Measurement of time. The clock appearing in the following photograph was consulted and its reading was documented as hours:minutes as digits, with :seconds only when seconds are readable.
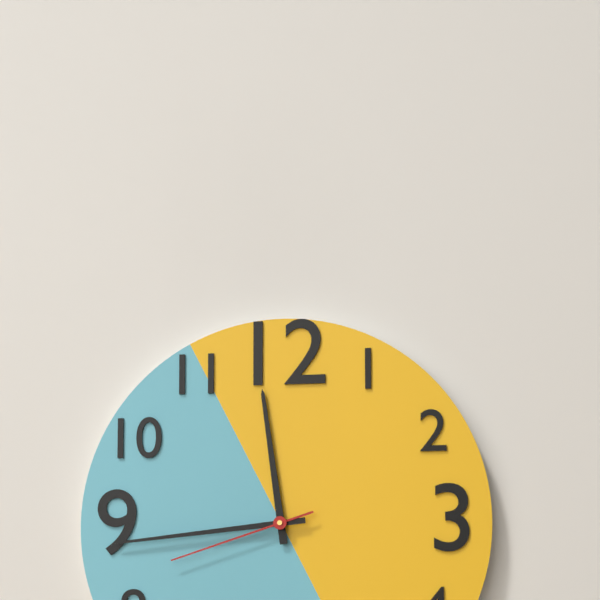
11:44:42
